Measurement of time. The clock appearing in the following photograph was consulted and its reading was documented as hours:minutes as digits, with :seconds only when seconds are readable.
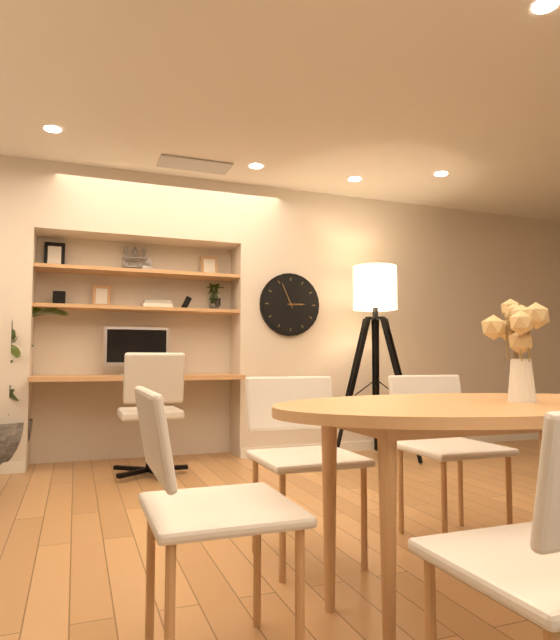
2:56
